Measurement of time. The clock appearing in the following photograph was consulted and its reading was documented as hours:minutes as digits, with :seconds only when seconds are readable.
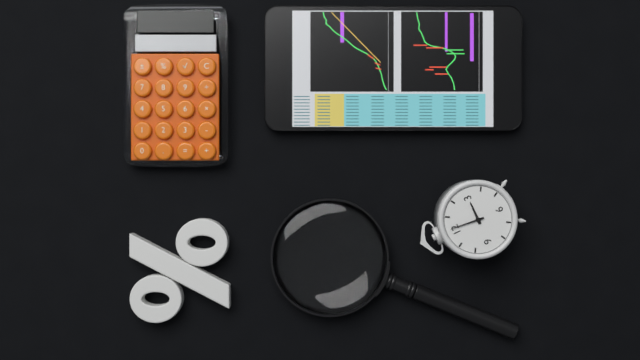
3:01
